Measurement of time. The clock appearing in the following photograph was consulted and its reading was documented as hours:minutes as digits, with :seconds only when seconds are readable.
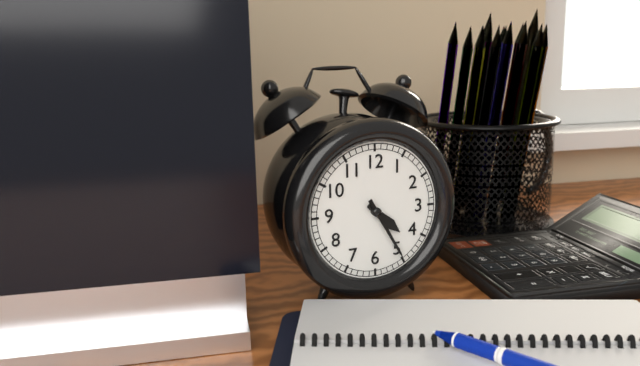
4:25
